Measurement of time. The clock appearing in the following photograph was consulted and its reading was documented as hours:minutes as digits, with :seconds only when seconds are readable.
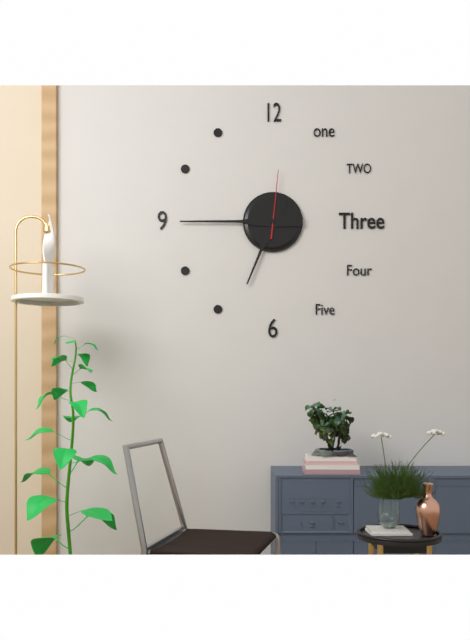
6:45:01
